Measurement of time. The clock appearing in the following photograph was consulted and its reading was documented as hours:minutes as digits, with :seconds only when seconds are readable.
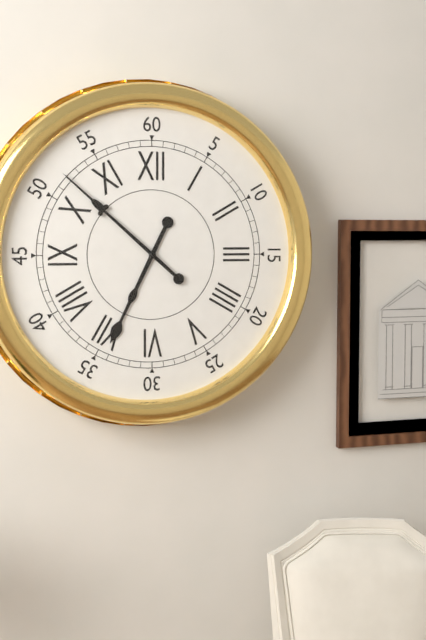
6:52
